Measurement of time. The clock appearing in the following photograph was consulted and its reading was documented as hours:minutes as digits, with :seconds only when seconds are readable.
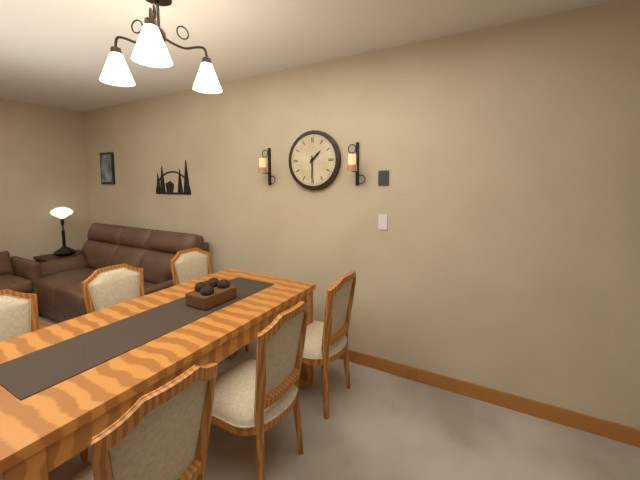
1:30
